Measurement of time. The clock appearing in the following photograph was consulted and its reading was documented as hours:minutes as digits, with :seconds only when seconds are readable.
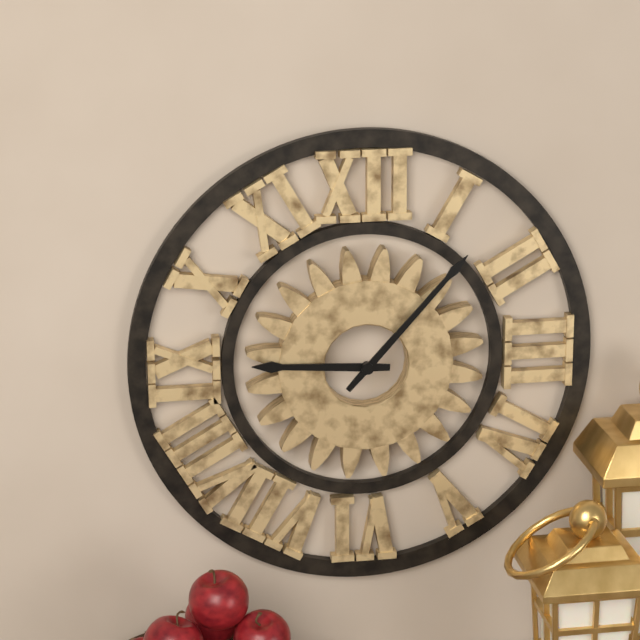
9:07
